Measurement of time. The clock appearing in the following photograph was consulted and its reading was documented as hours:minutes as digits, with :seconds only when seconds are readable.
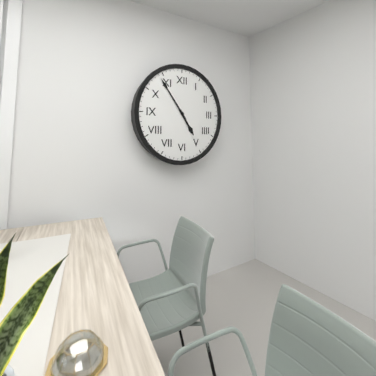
4:54
